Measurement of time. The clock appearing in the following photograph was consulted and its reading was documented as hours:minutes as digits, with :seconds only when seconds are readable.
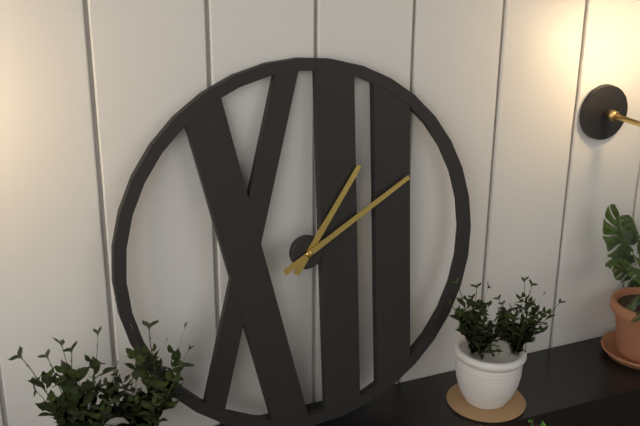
1:10
